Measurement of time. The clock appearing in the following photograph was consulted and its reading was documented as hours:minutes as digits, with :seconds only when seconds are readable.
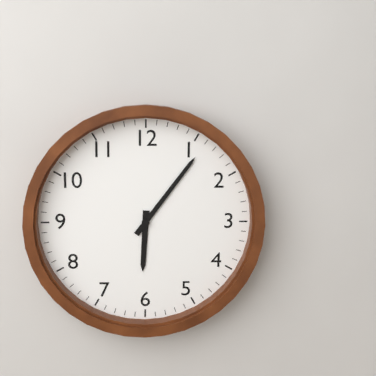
6:06
